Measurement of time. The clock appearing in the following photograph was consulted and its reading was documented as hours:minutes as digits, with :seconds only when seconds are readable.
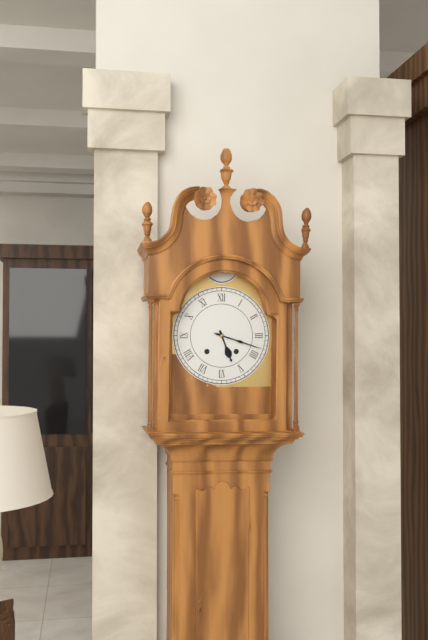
5:18
